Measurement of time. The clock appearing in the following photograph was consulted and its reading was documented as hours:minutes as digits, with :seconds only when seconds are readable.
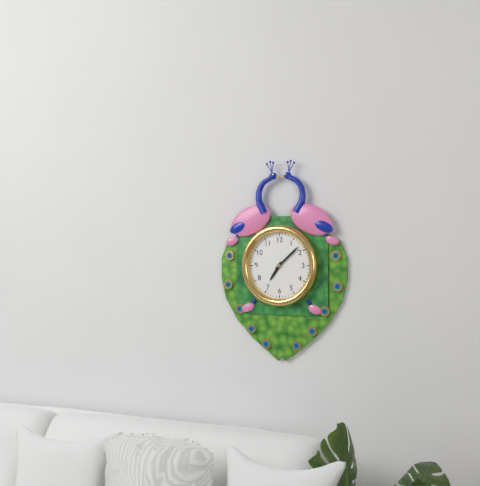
7:08
